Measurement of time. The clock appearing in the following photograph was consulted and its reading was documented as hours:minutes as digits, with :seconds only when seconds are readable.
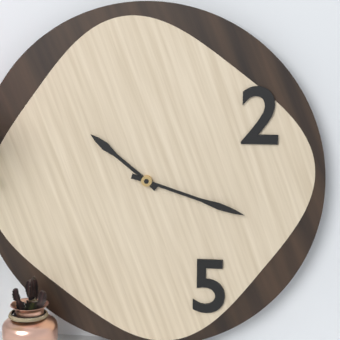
10:18
